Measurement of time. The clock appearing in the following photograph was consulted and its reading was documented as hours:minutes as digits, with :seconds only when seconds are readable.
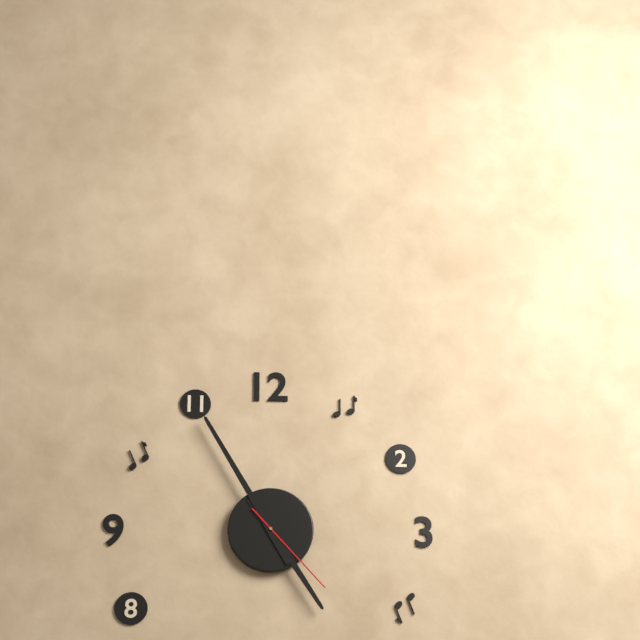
4:55:23
